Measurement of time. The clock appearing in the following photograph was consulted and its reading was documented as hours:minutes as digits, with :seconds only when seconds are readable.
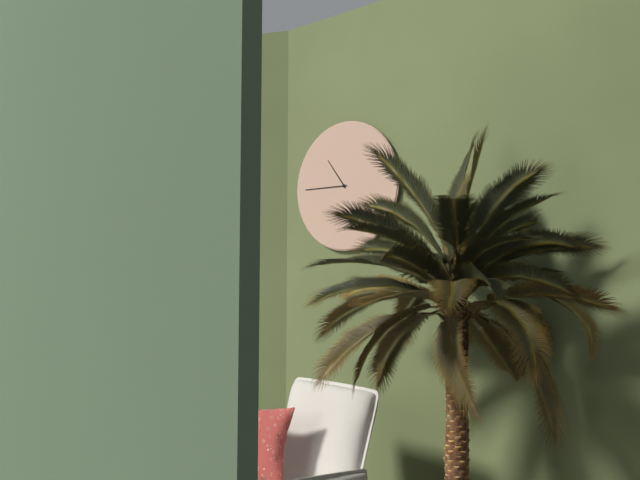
10:45
